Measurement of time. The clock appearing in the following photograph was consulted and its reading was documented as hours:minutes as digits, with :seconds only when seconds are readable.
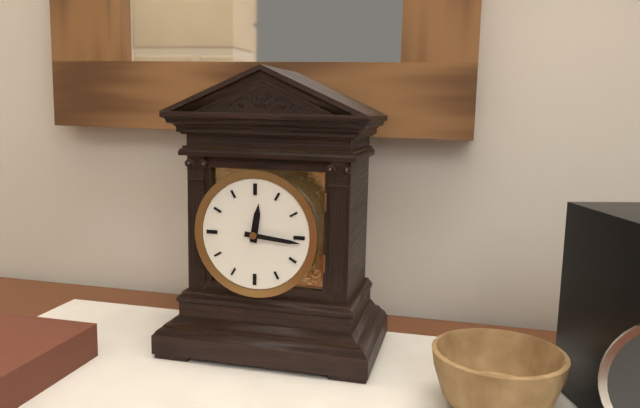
12:16
